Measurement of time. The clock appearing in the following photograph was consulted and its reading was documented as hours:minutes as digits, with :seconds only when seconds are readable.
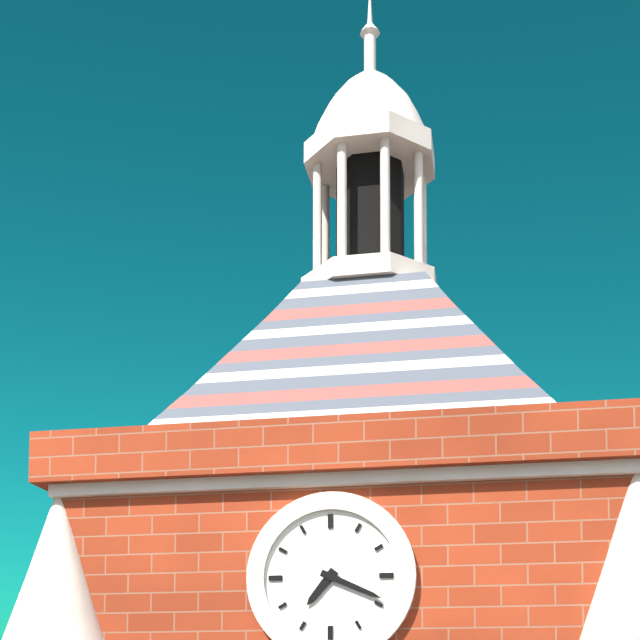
7:19
